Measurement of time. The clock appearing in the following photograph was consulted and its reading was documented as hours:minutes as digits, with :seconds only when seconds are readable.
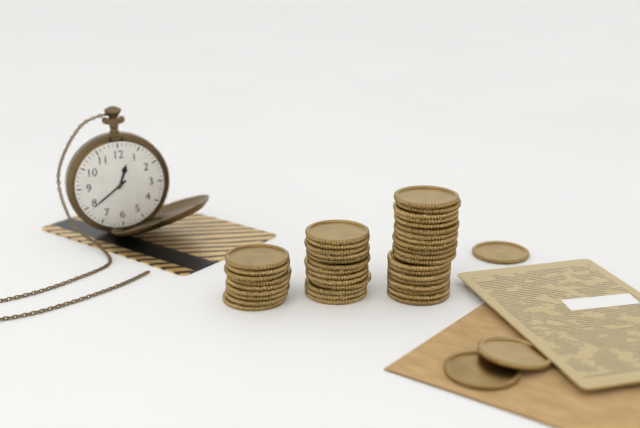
12:39
